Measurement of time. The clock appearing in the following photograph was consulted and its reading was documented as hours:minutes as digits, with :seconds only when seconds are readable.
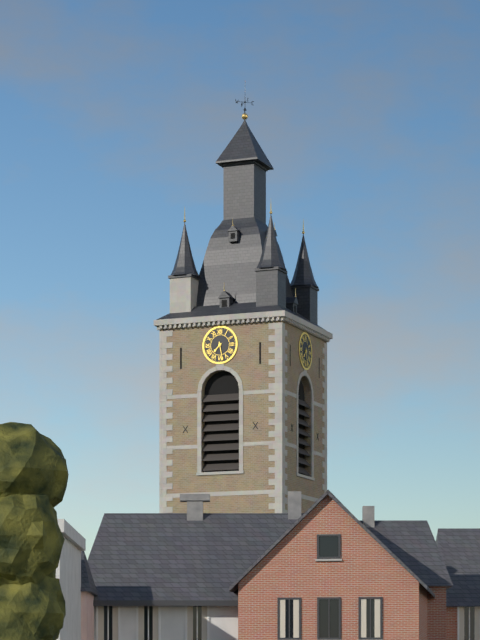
7:28
